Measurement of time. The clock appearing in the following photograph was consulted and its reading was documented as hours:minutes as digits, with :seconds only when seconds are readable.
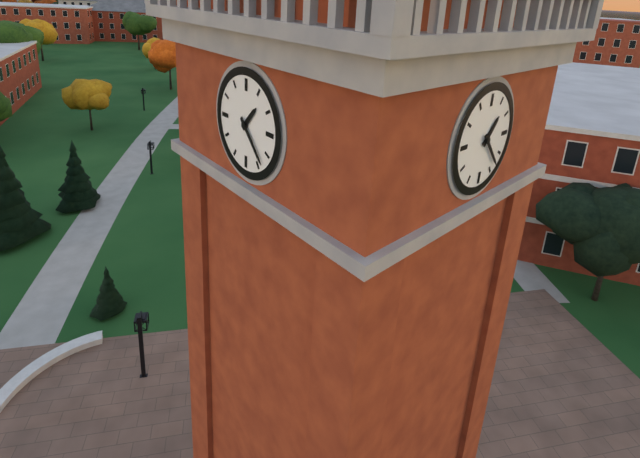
1:23
